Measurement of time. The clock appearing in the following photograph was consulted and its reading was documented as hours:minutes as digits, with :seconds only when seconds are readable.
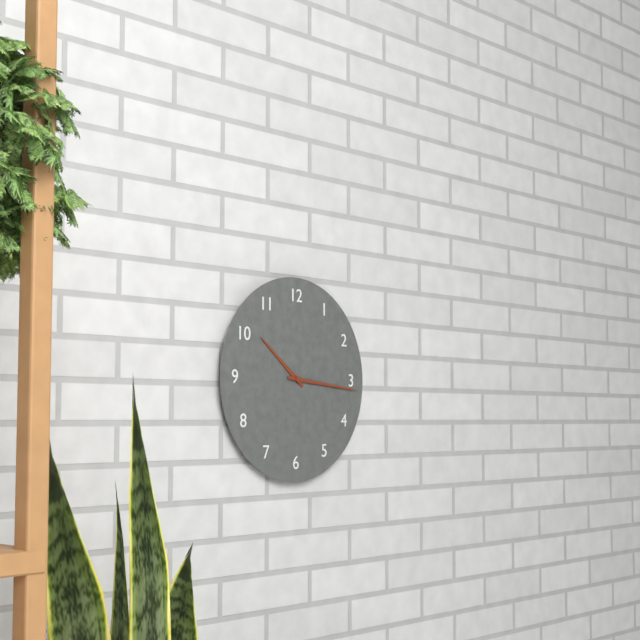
10:16
